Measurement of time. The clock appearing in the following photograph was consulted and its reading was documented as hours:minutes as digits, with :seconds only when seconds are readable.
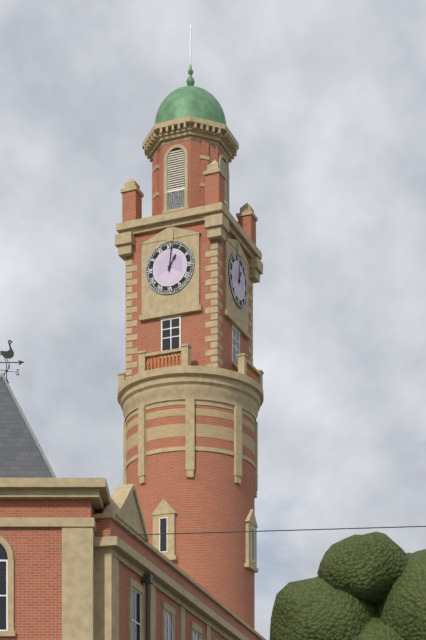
1:01
